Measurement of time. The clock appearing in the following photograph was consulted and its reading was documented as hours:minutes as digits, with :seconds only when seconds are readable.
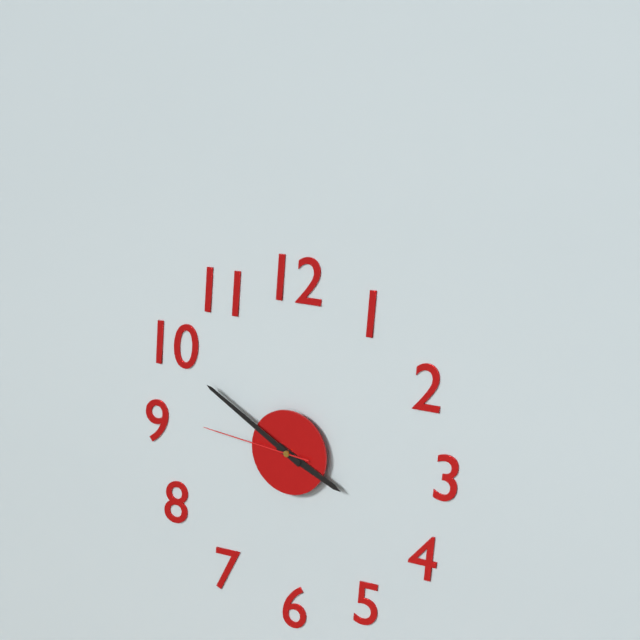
3:50:46
